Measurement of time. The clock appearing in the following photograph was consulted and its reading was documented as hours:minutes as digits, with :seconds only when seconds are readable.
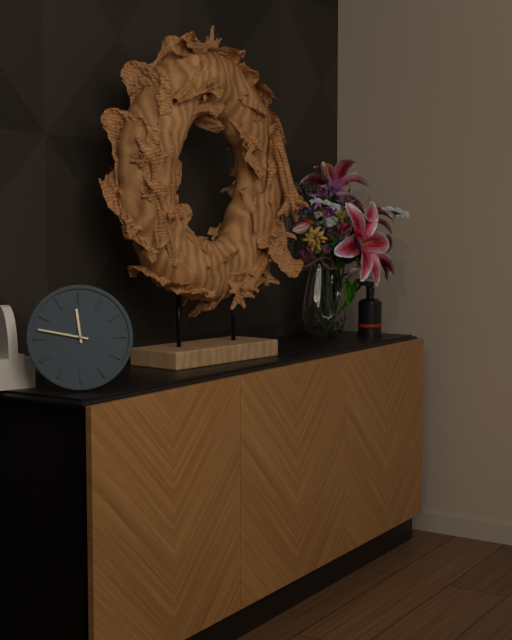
11:47
